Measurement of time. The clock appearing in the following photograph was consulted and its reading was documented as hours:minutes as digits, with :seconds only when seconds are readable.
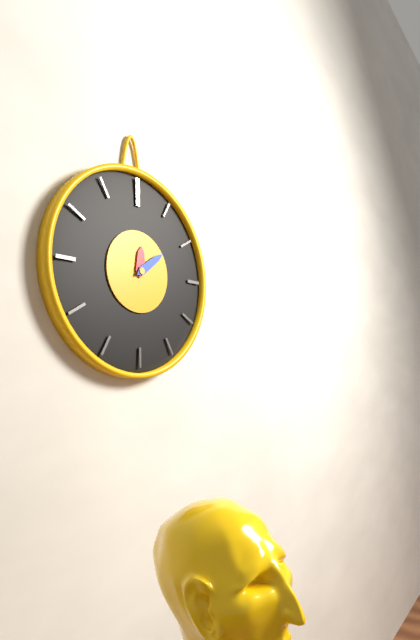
12:09
